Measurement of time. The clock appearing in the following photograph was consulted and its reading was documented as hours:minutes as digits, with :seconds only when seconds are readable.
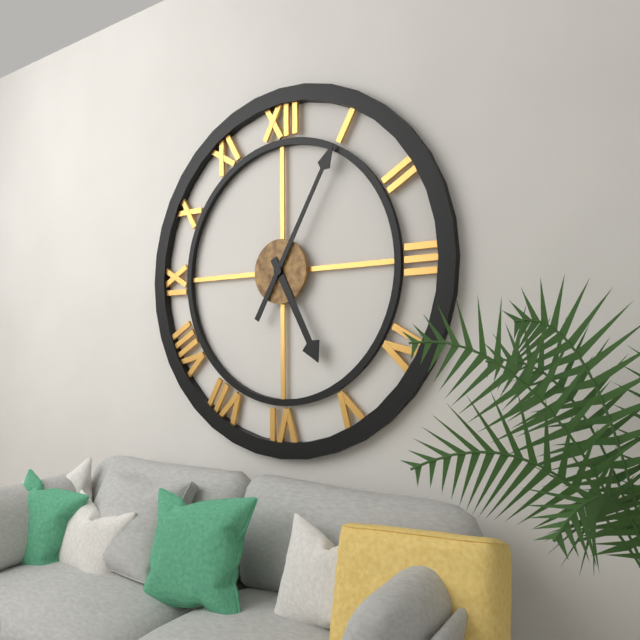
5:05
